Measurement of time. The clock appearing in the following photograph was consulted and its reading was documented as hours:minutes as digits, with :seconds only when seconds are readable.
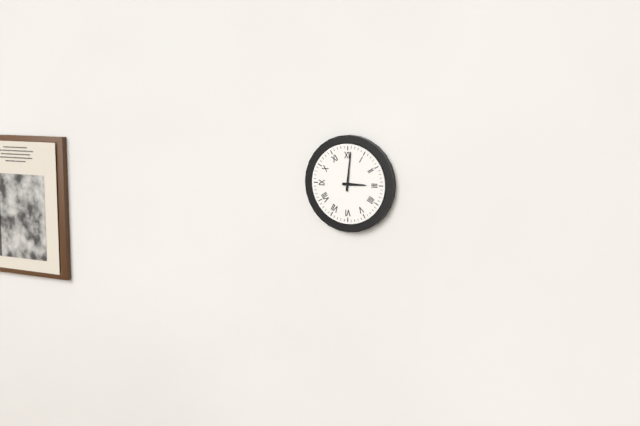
3:01
